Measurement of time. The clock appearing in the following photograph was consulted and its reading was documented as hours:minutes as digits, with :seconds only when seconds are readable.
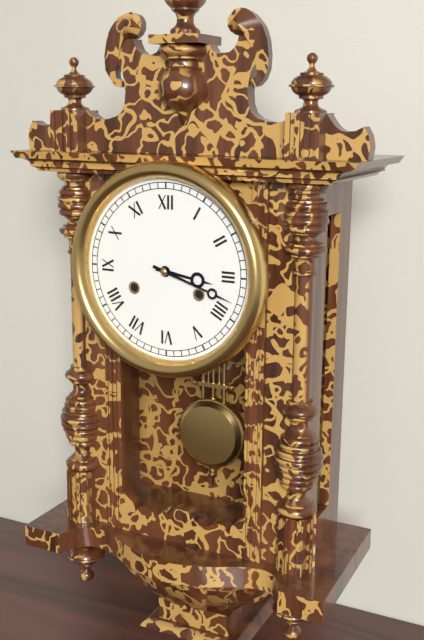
3:18
